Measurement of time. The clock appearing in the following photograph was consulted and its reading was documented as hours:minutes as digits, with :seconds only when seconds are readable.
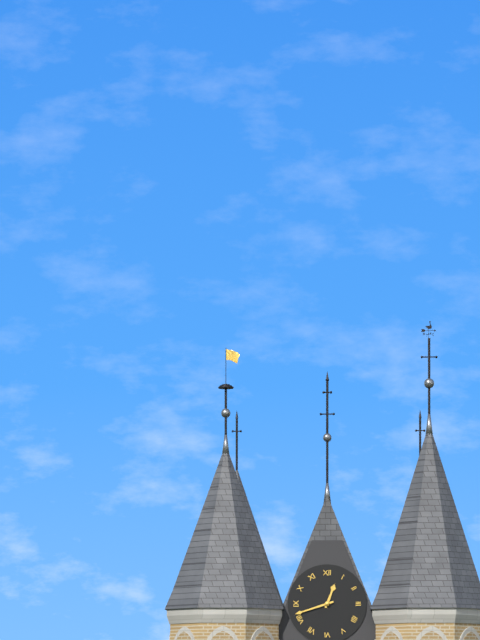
12:42
